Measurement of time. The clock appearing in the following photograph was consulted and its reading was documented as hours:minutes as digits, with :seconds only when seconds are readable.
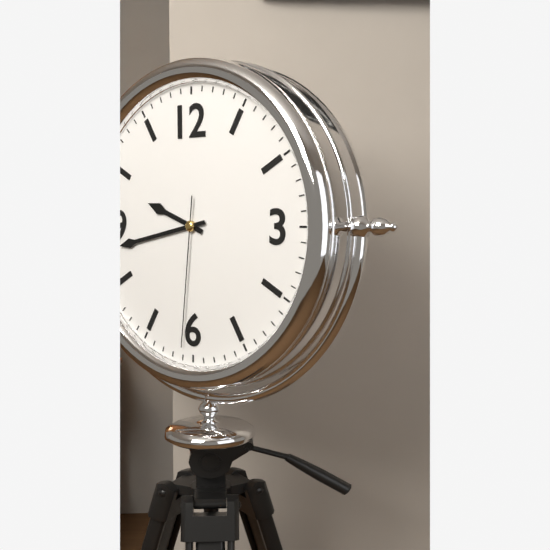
9:43:31
